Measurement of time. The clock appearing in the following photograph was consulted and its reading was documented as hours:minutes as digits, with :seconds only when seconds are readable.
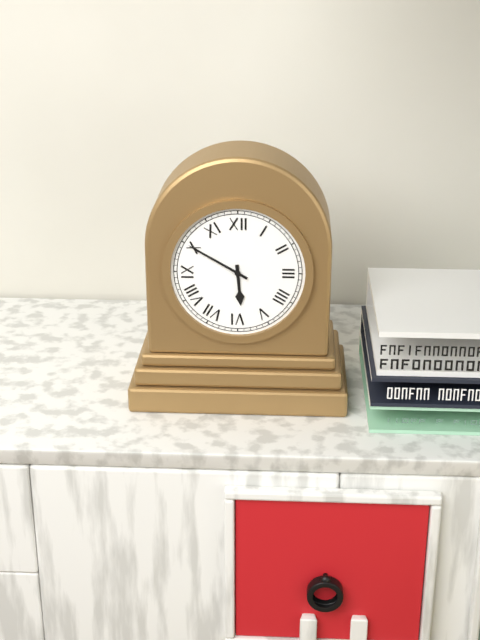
5:50
